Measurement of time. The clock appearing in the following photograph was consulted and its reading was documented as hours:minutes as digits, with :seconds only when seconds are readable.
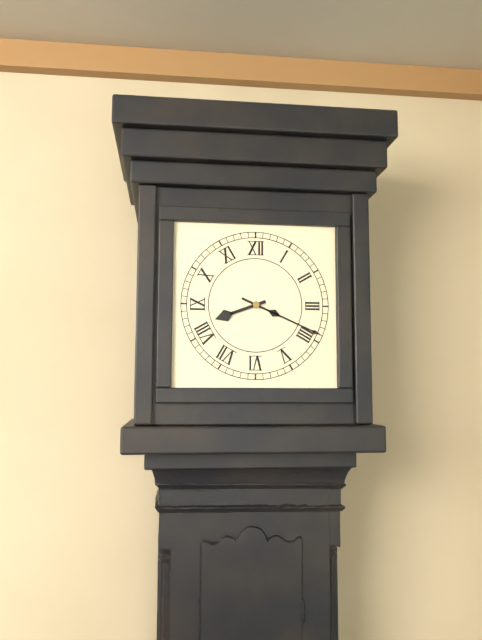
8:19
